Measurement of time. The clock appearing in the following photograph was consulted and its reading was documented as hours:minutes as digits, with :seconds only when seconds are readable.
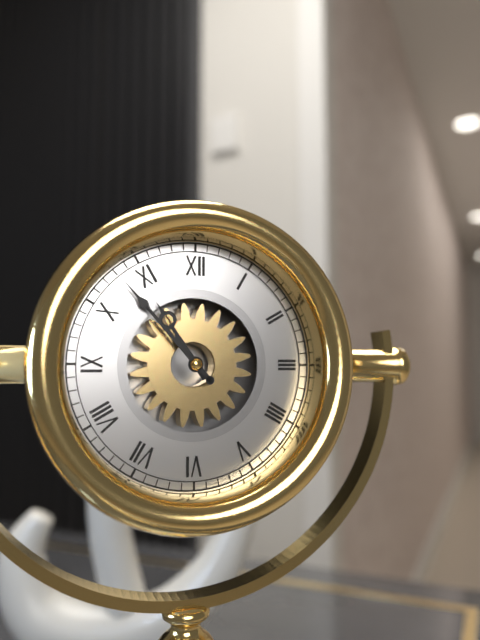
10:53
